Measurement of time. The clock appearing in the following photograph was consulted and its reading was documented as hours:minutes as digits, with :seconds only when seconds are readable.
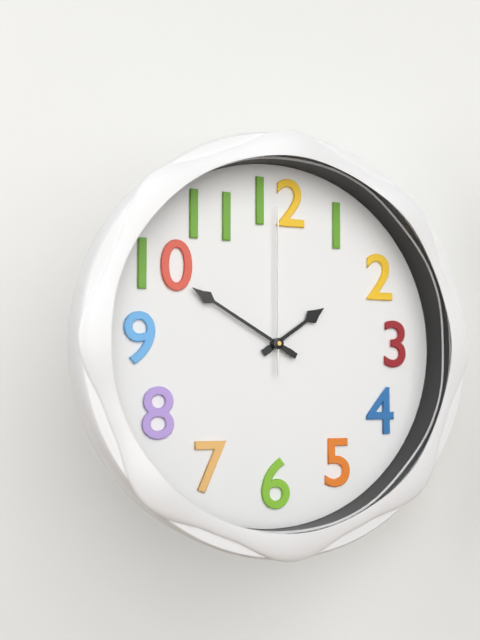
1:50:00
